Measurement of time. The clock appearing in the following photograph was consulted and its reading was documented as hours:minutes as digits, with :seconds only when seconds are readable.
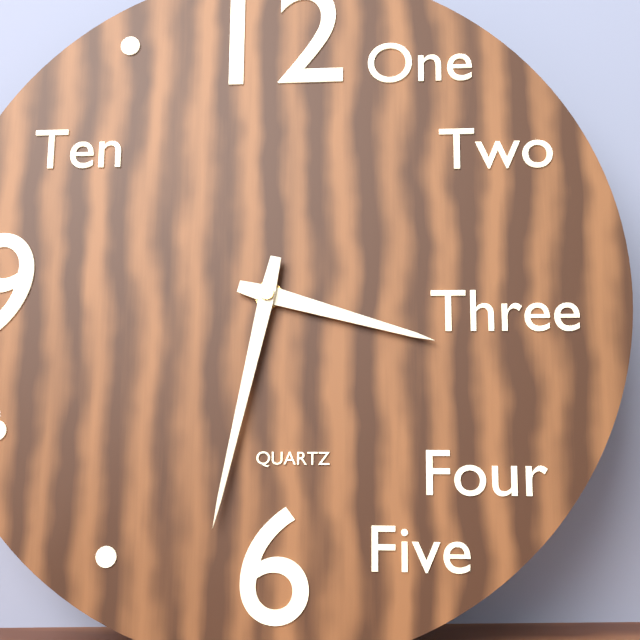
3:32
